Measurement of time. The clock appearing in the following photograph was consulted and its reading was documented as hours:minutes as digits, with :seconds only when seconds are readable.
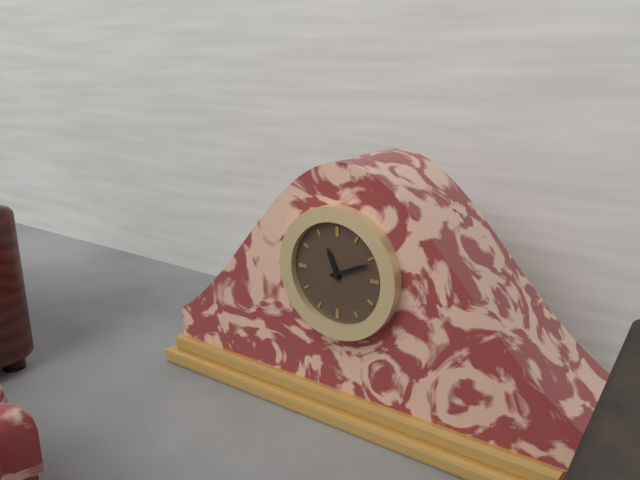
11:11
